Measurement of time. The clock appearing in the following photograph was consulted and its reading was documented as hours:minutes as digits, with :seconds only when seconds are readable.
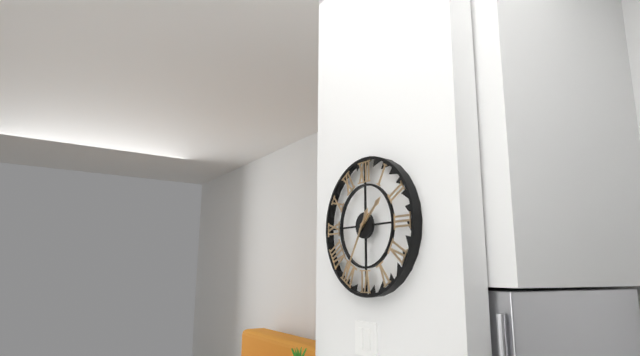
1:35
